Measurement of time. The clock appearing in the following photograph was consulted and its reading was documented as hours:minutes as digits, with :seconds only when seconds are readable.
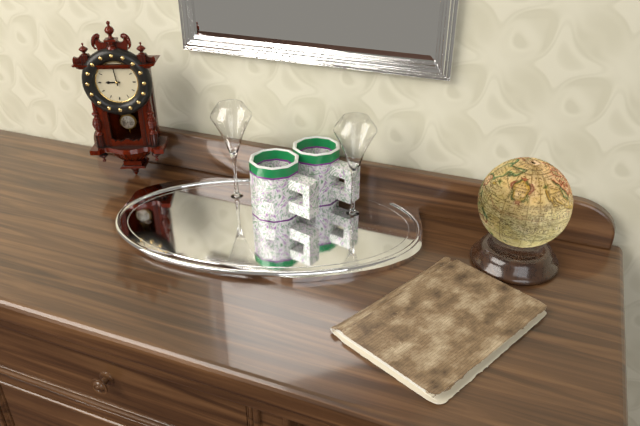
8:59
